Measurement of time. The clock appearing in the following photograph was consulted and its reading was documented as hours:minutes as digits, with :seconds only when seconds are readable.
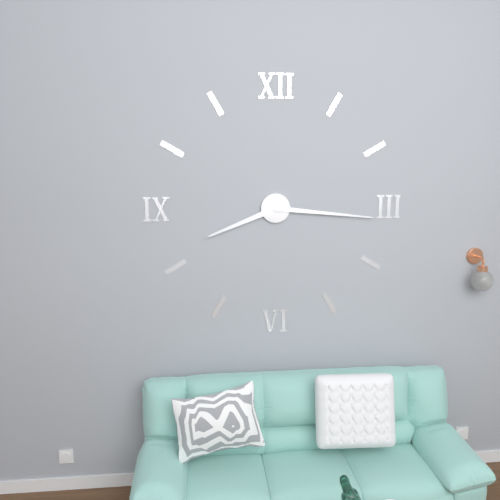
8:16
